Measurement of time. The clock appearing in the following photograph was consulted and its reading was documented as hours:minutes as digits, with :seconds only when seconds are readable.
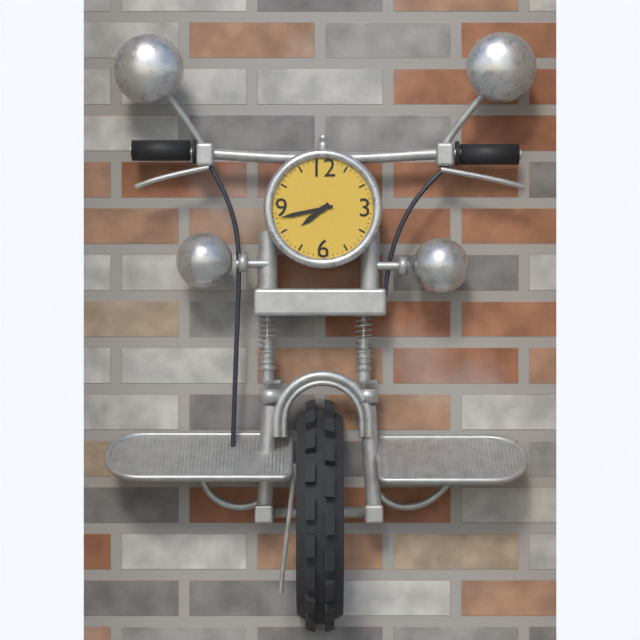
7:43
